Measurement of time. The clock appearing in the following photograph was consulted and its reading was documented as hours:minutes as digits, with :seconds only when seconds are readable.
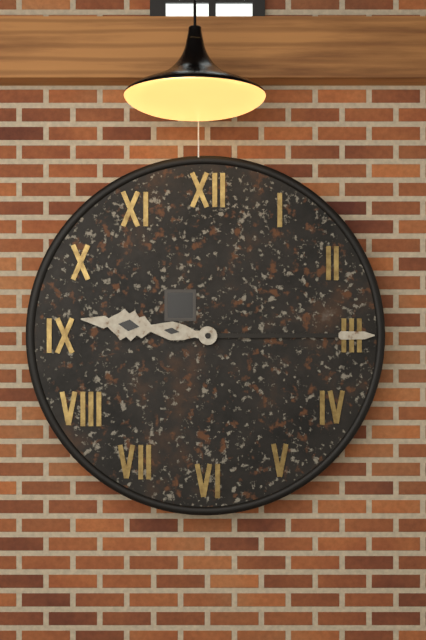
9:15
